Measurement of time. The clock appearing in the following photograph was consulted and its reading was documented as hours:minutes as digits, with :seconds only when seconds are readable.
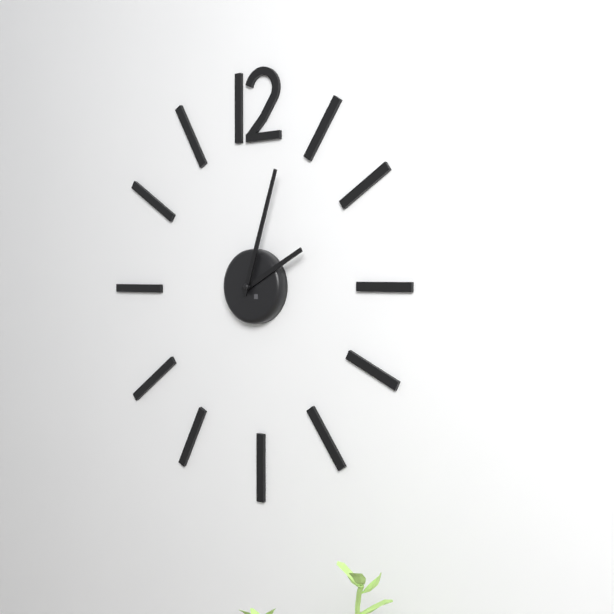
2:03
